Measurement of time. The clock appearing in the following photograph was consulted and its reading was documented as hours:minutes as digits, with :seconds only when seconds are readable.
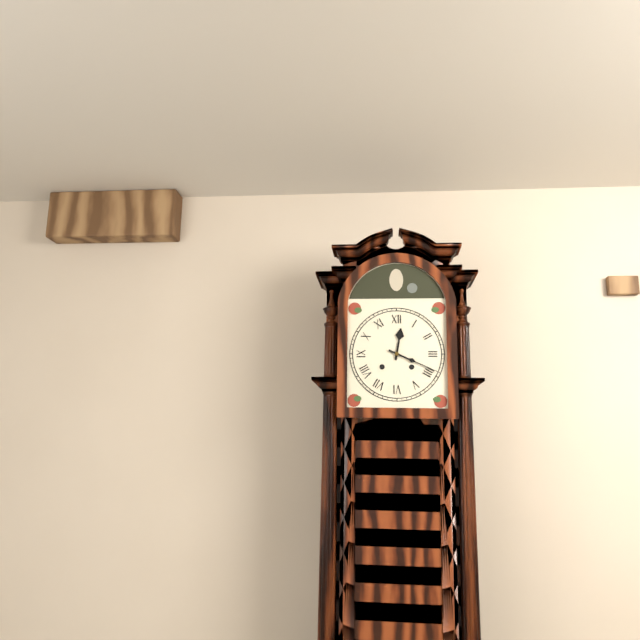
12:19
